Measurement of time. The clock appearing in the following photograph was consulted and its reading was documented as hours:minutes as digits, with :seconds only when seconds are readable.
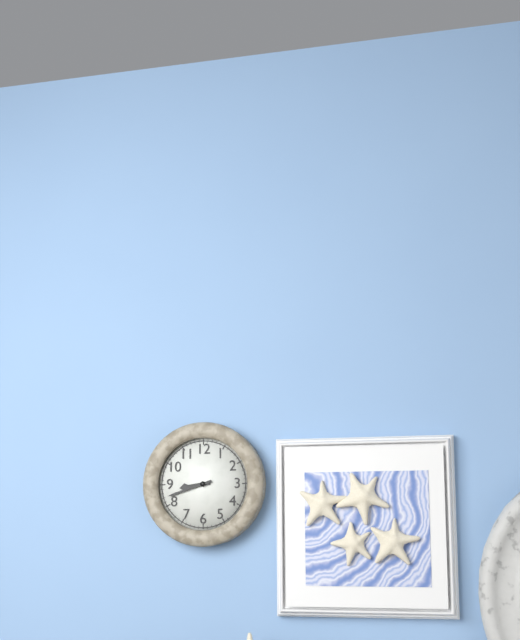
8:42
